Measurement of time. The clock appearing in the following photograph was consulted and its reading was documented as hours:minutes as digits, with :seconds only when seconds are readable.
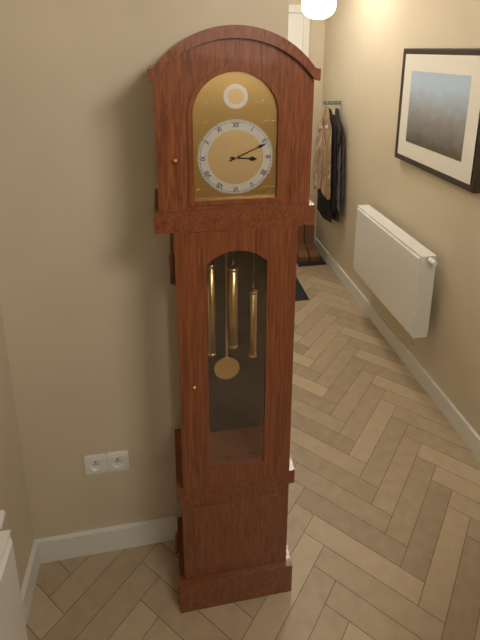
3:11
